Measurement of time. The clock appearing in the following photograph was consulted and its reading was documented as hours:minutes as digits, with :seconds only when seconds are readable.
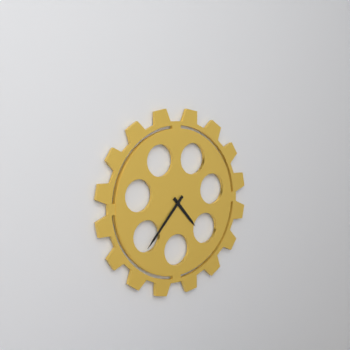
4:37
